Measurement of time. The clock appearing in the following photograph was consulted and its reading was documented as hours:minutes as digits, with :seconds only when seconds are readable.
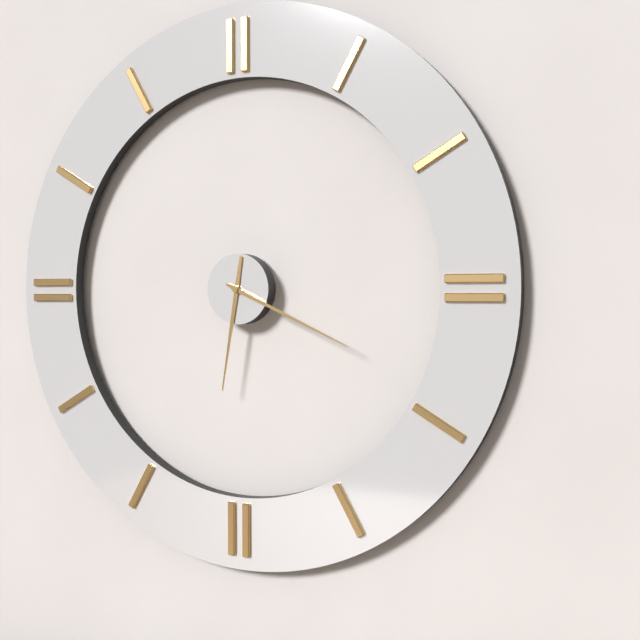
6:19
